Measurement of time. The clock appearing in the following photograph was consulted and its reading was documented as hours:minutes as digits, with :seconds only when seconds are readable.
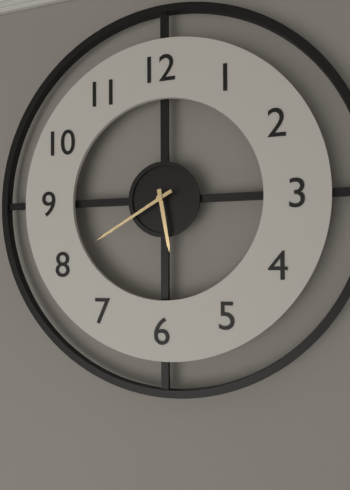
5:40
